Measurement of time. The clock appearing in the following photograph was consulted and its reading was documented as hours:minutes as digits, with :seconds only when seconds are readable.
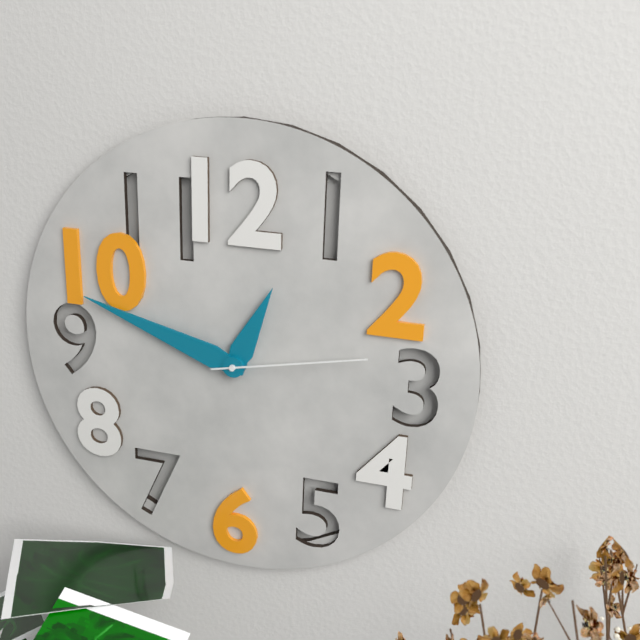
12:48:13
